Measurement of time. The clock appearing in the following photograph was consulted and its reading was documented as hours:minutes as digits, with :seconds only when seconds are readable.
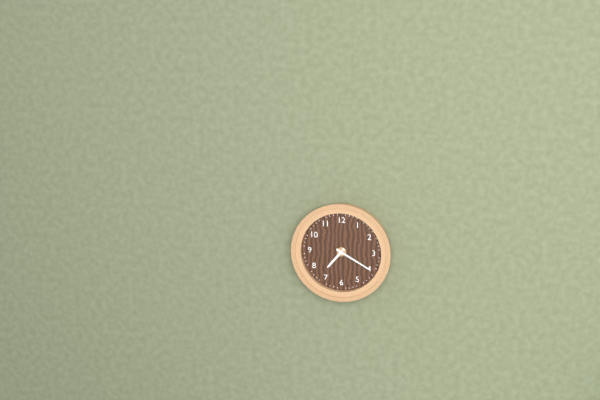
7:20
